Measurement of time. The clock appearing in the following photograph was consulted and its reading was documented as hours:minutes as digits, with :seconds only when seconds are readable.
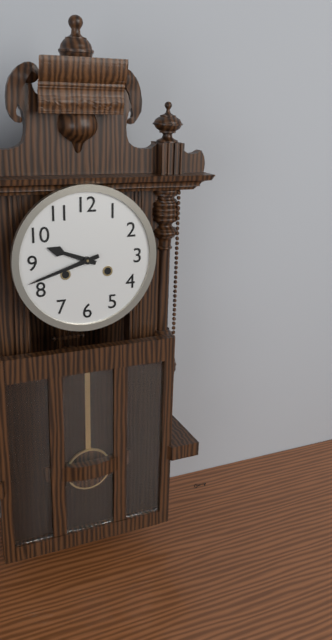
9:42
